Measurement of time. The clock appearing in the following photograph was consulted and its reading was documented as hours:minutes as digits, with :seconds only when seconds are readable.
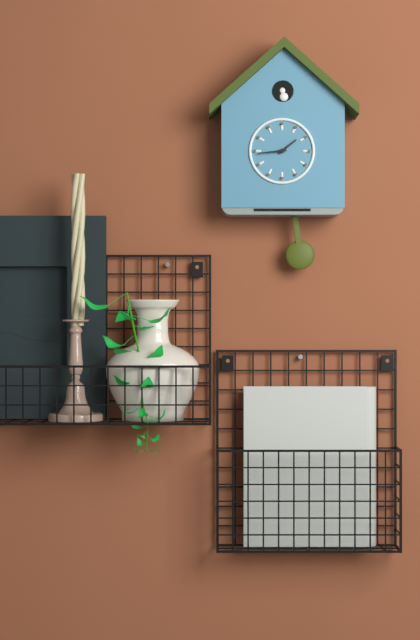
1:44
